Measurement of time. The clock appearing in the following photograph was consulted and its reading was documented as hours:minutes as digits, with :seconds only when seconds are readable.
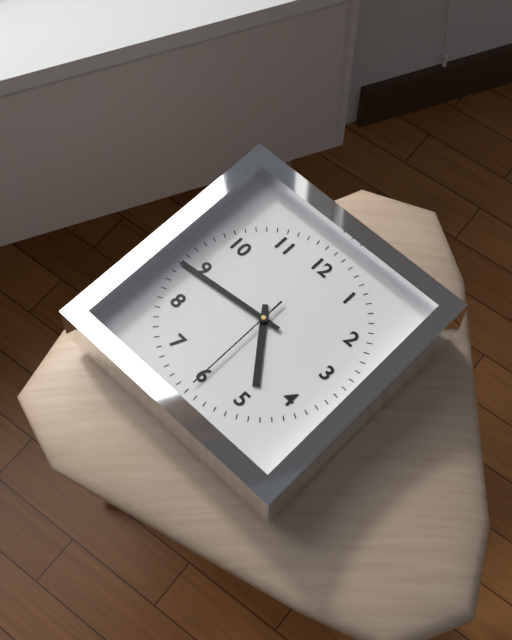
4:44:30
